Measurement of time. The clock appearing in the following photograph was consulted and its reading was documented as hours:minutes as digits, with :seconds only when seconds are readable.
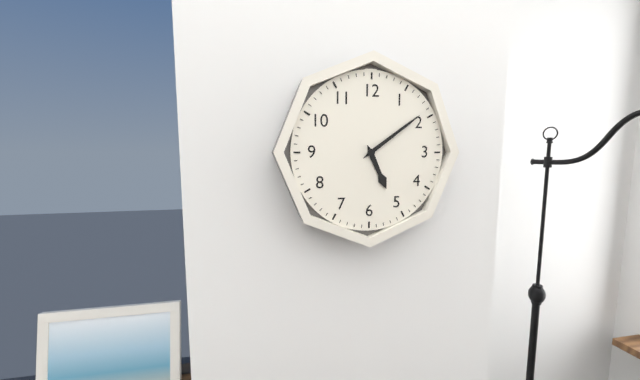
5:09
